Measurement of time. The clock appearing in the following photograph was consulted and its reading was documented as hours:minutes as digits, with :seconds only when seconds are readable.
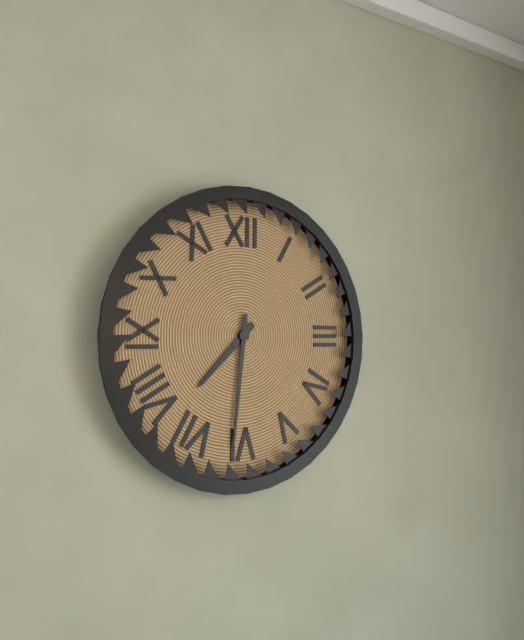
7:31
